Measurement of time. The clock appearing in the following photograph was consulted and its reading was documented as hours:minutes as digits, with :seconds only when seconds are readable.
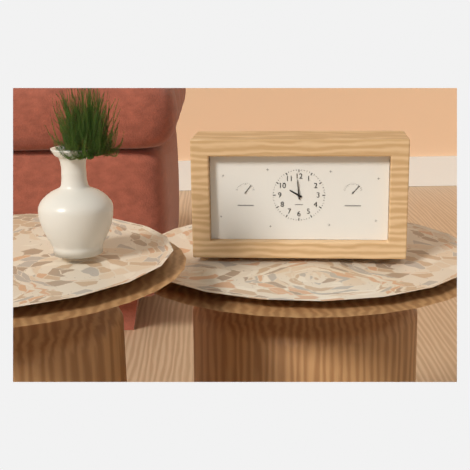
9:59
